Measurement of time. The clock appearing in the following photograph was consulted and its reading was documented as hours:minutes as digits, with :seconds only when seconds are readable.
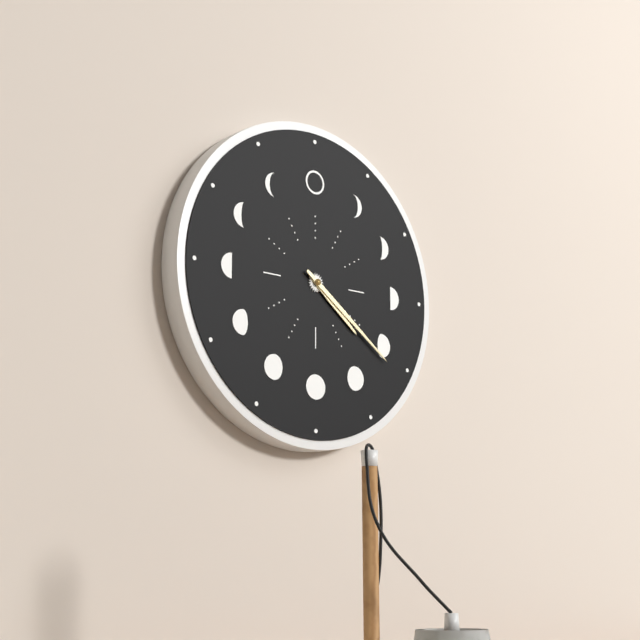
4:21
